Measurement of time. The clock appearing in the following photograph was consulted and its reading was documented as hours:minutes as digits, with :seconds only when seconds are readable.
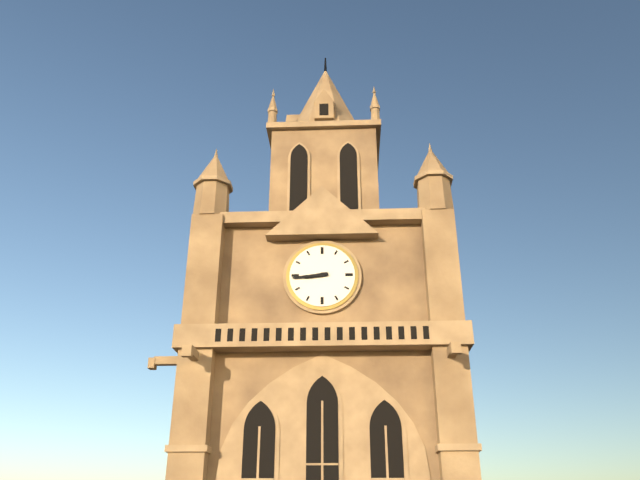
8:44
